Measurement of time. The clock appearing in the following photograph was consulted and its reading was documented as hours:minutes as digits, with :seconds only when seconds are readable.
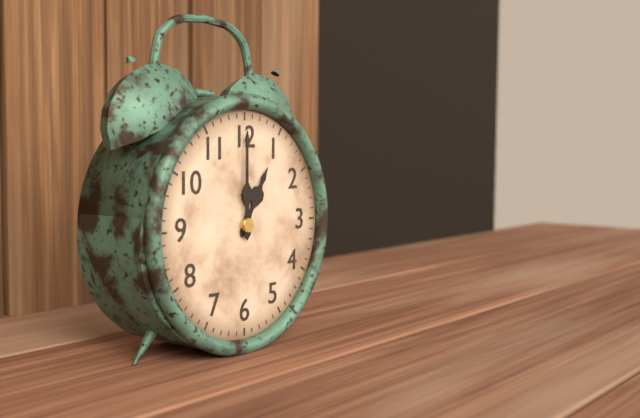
1:00
